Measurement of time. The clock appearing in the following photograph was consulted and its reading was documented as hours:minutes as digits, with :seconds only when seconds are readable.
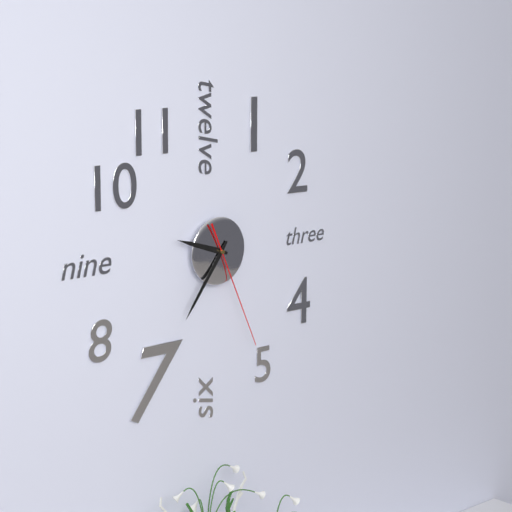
9:36:26
